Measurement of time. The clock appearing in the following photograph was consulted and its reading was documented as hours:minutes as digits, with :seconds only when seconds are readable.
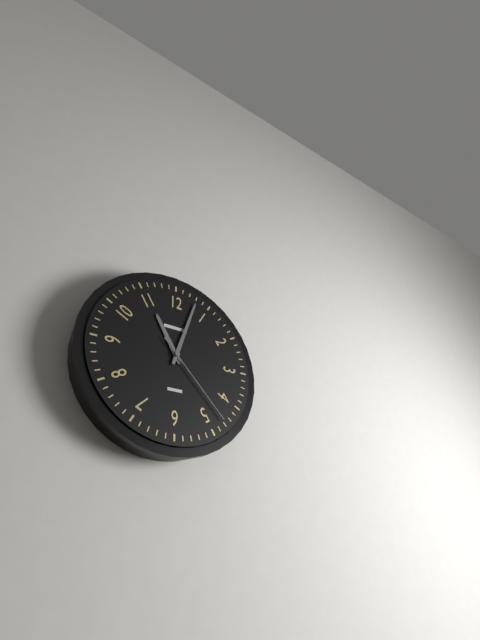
11:03:23
